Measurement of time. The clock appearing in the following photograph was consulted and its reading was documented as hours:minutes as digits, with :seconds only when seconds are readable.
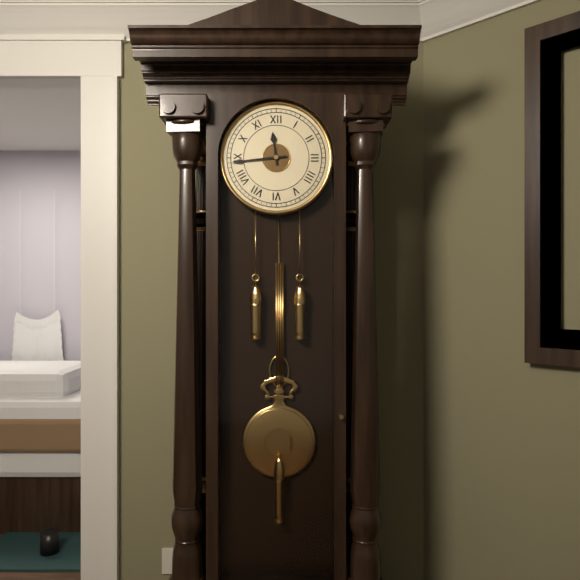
11:44
